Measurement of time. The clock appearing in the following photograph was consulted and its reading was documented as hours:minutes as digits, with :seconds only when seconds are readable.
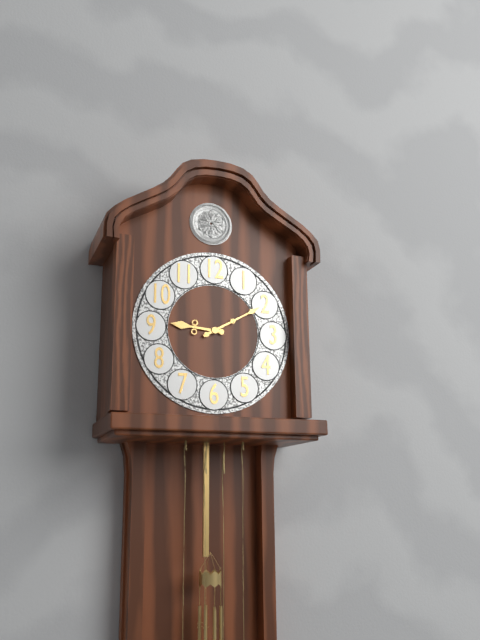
9:10
